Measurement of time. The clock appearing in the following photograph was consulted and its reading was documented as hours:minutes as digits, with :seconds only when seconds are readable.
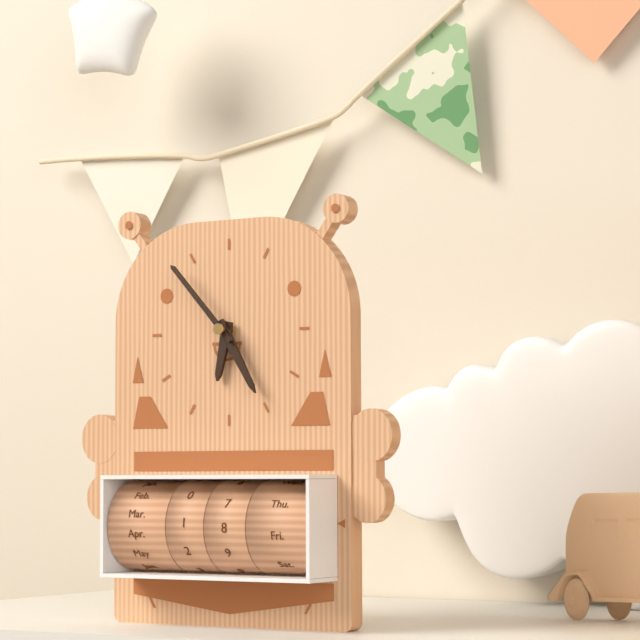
6:25:53
